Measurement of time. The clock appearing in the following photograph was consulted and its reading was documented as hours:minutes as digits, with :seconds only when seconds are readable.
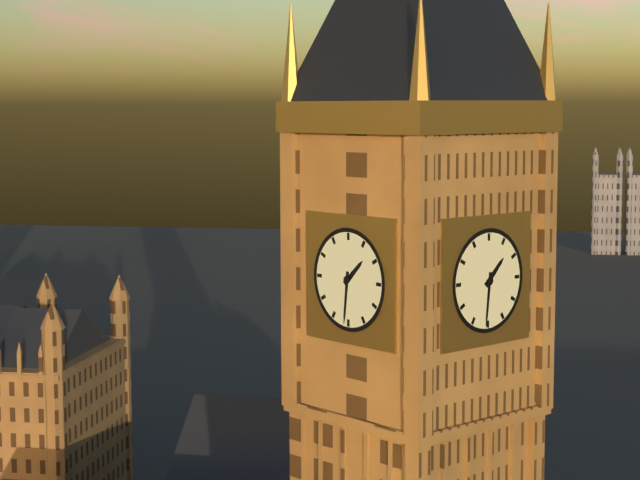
1:31
